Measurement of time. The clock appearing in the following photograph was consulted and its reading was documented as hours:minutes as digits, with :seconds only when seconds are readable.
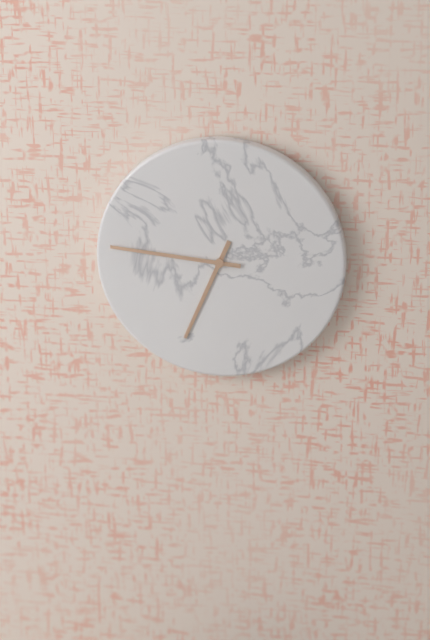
6:46
